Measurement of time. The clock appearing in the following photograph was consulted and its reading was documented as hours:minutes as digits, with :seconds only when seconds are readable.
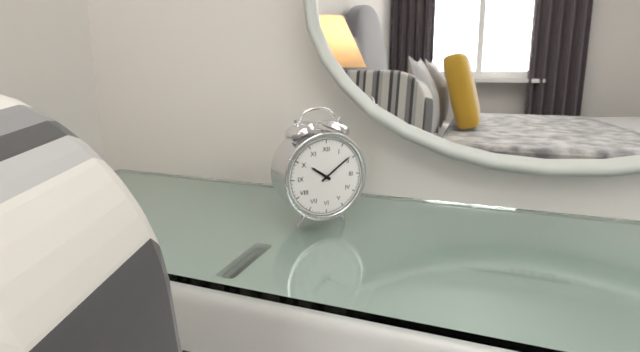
10:09
